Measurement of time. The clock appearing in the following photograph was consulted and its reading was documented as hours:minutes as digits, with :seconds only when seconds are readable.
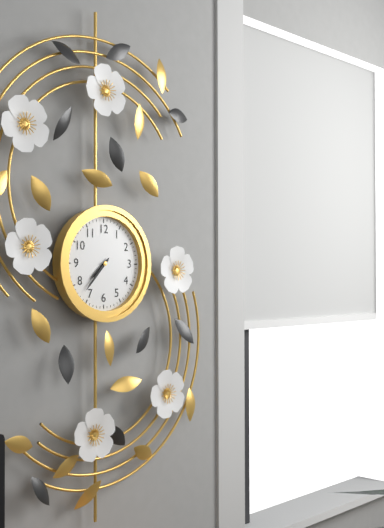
7:37
